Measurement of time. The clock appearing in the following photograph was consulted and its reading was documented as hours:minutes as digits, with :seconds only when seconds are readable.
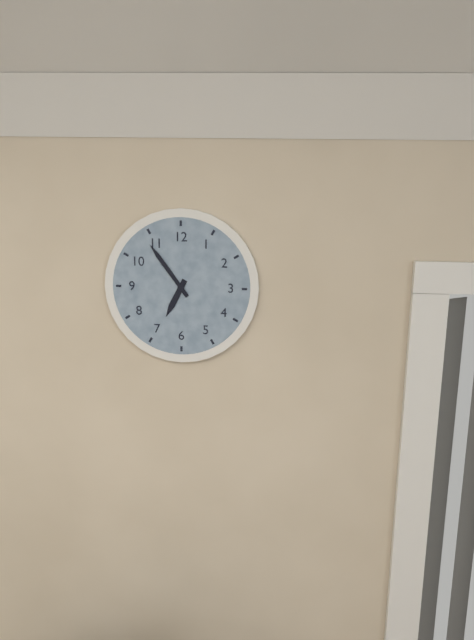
6:54
